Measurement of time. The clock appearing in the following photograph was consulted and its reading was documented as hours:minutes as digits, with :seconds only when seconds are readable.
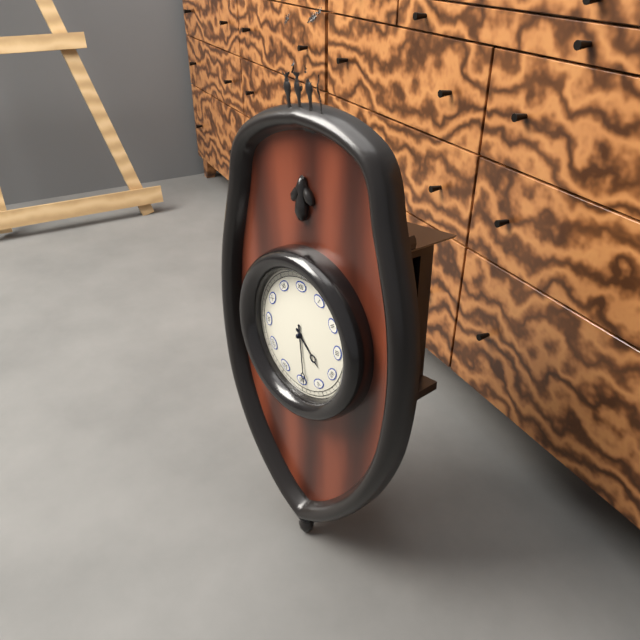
4:29
